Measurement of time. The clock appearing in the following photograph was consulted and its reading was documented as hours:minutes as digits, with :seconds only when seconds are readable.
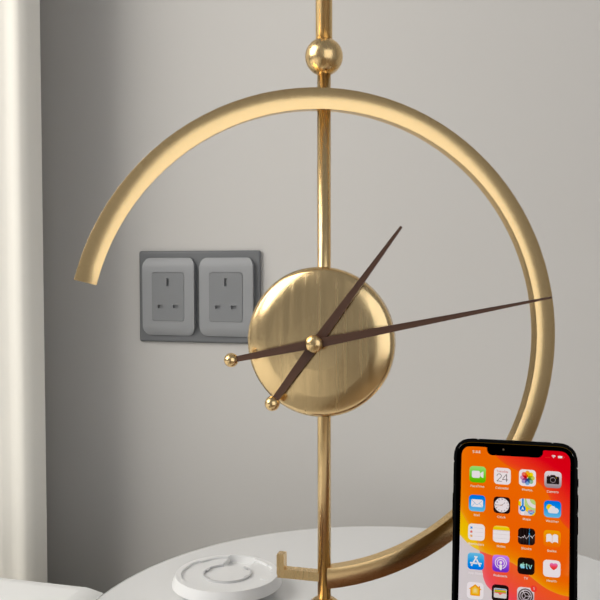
1:13
